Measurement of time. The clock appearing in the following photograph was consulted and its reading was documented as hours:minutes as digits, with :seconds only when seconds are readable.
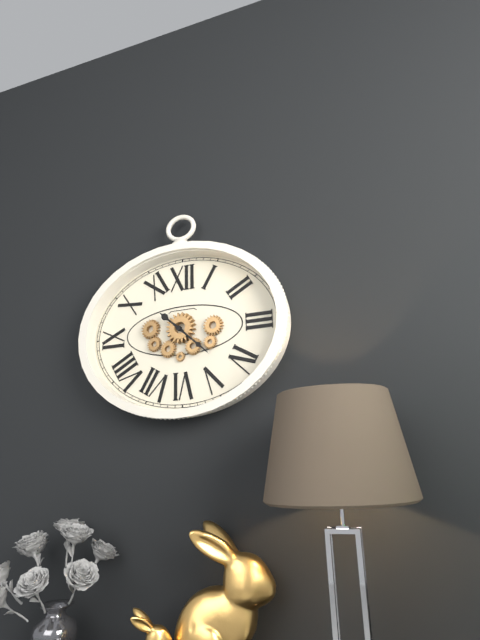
10:22
